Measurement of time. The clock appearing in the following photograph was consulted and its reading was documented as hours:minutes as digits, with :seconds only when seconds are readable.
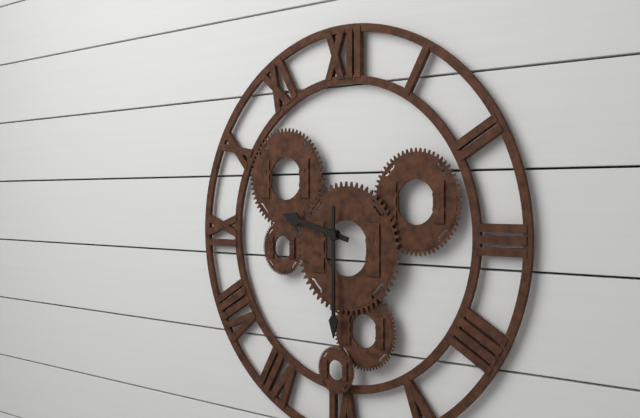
9:30
